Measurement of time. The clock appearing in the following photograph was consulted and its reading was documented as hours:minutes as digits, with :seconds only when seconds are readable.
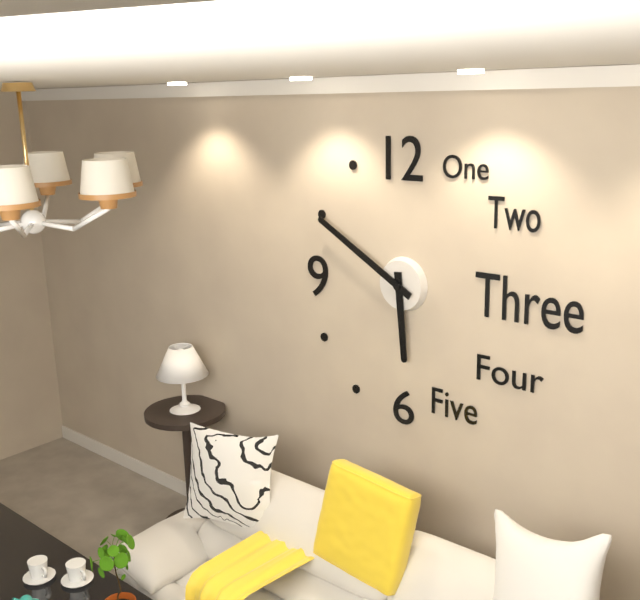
5:50
